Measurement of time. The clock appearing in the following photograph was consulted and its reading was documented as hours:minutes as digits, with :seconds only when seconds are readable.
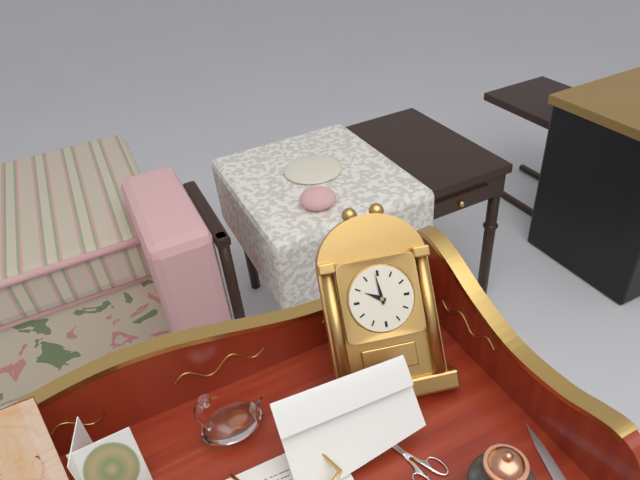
9:59
